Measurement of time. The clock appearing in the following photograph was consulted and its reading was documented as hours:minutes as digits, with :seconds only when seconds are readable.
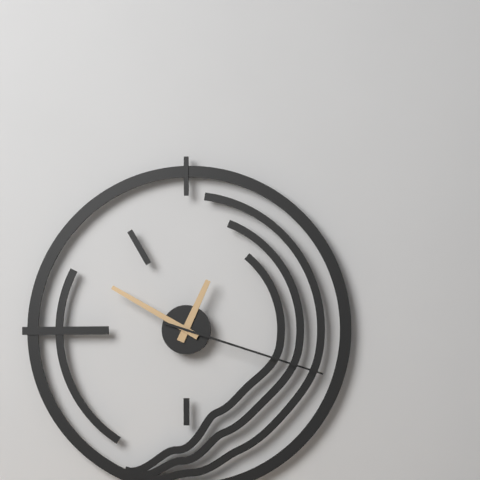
12:50:18
